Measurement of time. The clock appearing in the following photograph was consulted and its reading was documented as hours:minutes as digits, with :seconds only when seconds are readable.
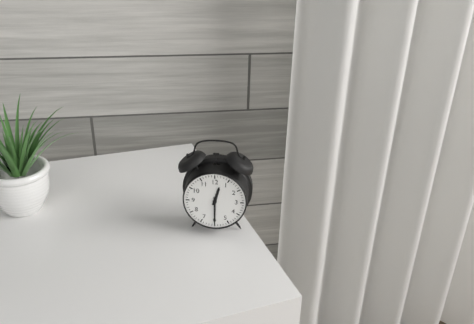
12:30
